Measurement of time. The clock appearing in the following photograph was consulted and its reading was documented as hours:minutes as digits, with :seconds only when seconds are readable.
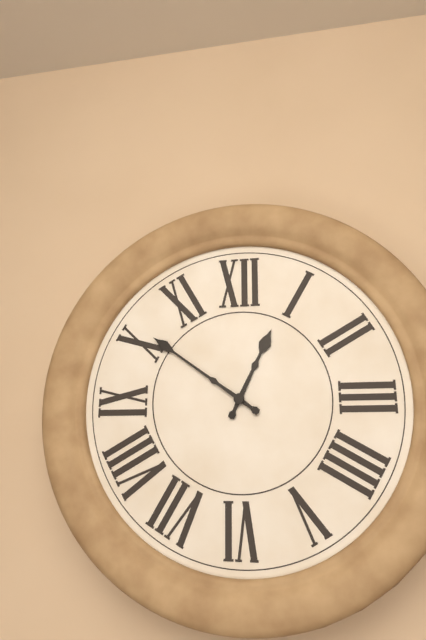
12:51
